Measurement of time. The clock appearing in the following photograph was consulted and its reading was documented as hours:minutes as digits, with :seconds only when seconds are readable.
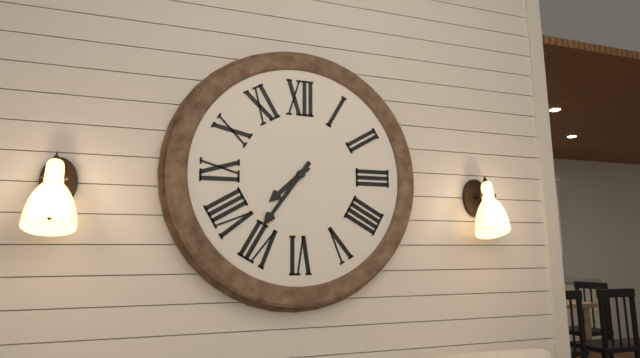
7:36
